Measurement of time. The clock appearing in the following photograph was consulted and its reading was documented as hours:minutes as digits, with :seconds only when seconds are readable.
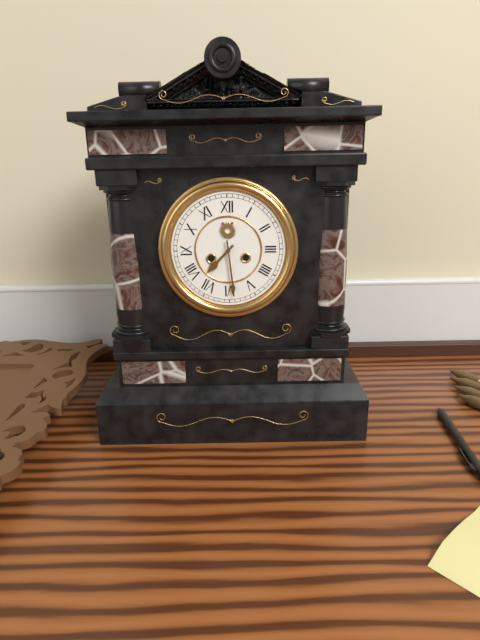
7:29
